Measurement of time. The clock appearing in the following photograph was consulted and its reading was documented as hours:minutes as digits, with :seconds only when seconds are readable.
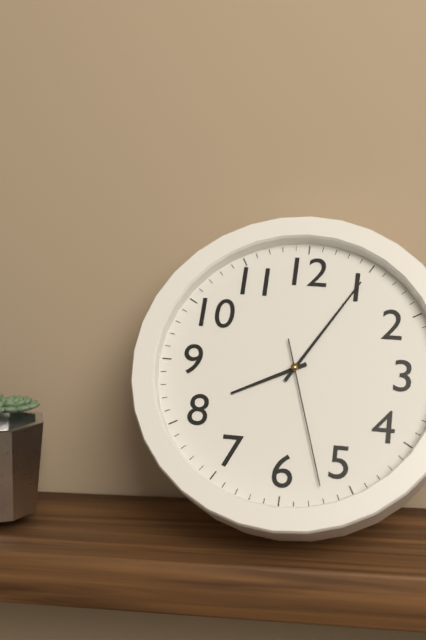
8:05:27
